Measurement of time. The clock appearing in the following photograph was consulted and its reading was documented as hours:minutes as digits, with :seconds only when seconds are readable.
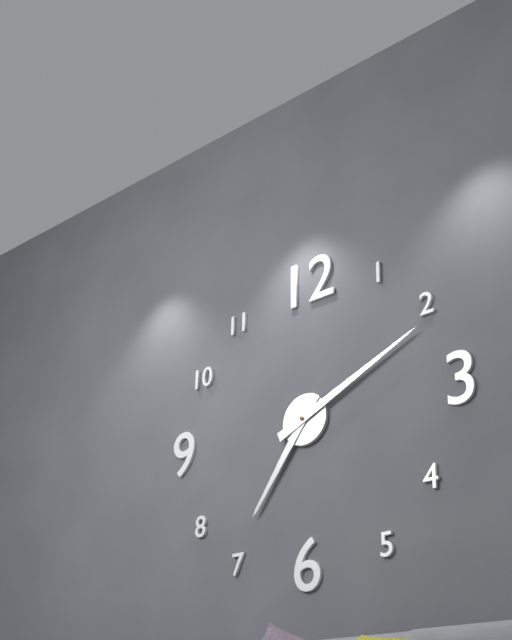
7:11
